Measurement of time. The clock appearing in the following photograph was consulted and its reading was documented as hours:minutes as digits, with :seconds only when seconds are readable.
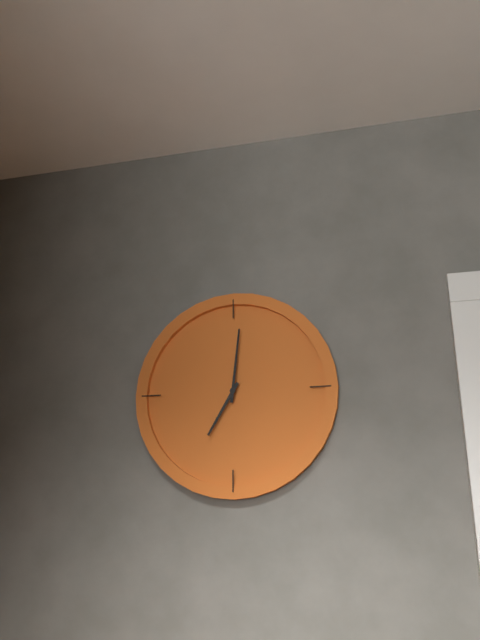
7:01
